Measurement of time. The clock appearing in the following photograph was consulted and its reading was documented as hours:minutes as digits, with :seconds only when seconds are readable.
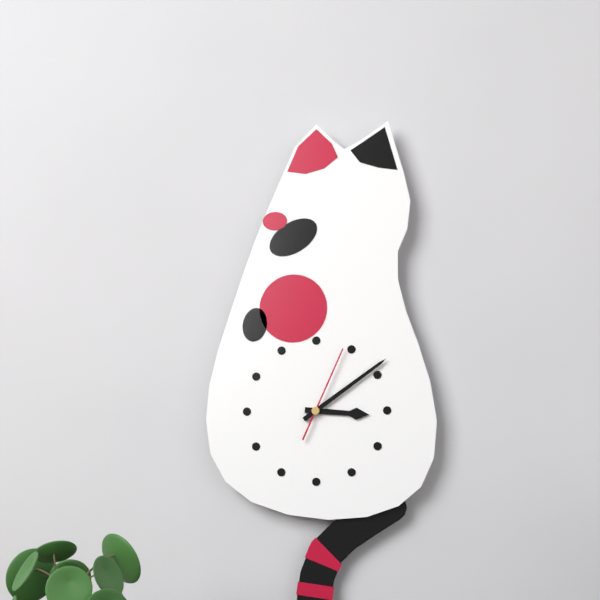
3:09:04
